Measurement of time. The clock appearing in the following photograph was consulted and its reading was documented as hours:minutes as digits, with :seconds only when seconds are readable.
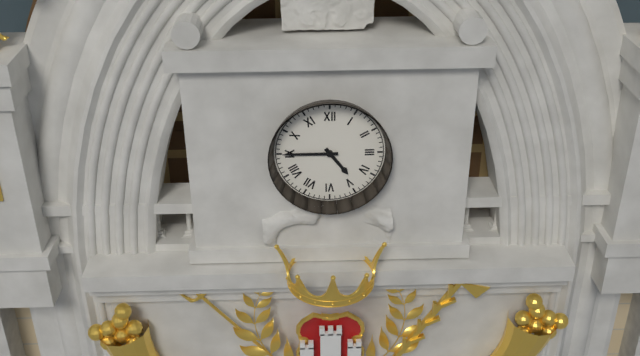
4:45
